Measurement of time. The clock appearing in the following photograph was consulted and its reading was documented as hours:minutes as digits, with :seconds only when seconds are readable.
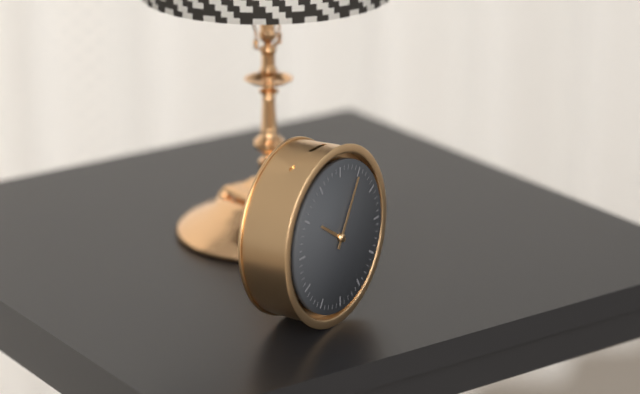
10:05
